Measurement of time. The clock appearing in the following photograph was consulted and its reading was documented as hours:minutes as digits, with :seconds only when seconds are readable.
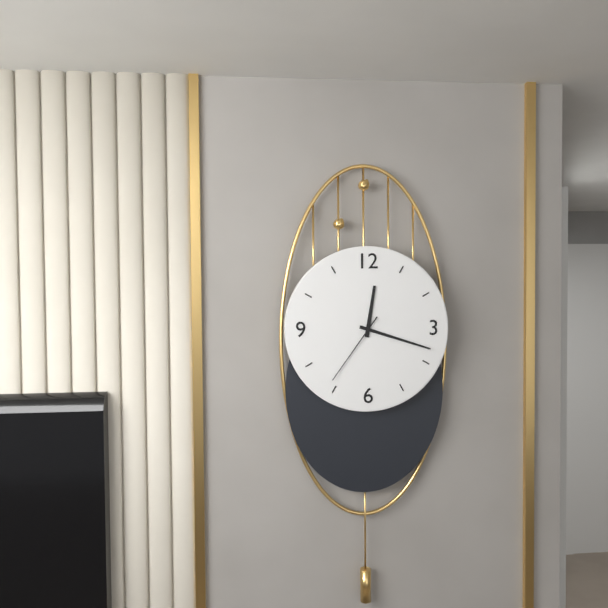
12:18:36
